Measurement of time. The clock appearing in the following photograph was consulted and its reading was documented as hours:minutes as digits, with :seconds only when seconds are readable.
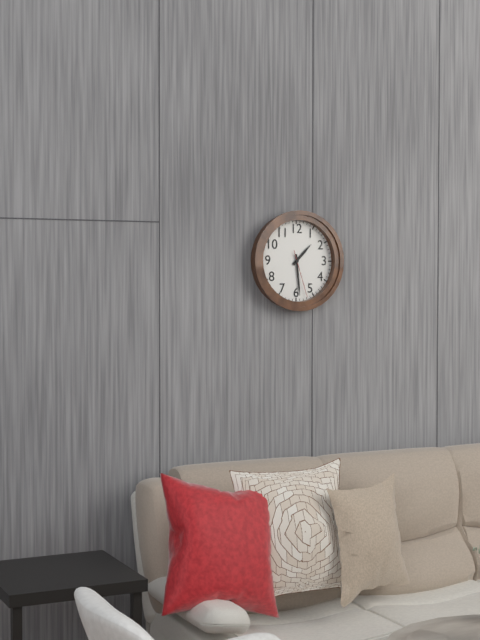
1:29
